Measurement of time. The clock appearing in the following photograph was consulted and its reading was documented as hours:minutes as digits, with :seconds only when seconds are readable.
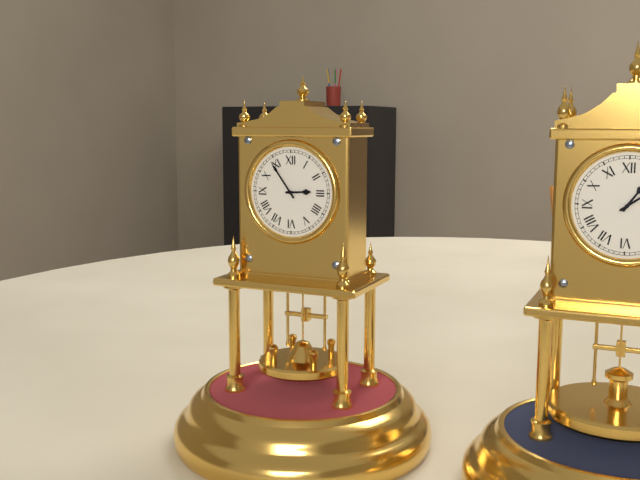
2:54
